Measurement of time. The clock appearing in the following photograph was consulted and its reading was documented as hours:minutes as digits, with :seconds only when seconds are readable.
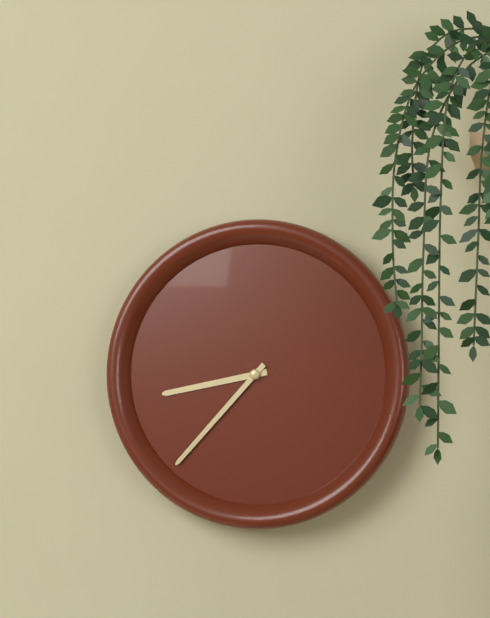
8:37
